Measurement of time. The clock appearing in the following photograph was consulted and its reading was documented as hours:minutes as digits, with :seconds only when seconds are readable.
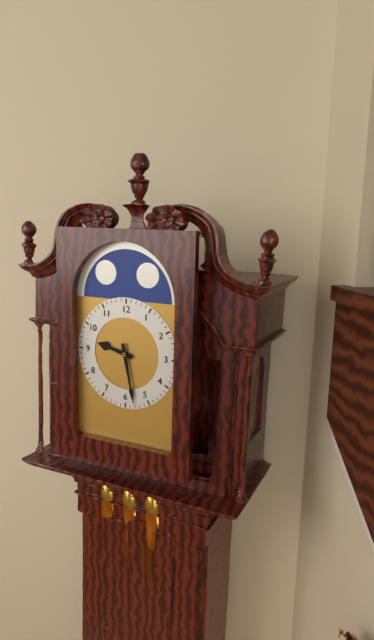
9:28
